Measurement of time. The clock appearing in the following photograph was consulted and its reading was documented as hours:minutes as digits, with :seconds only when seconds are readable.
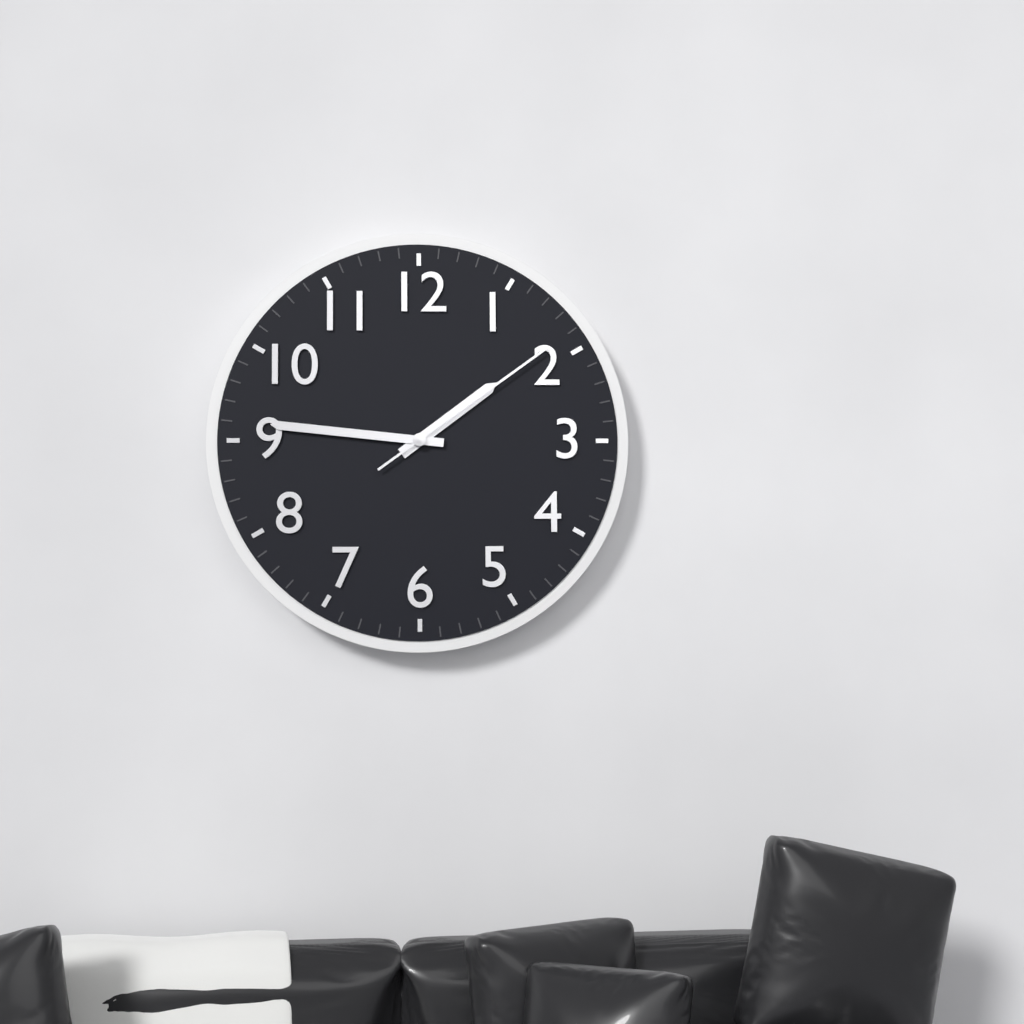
1:46:09
